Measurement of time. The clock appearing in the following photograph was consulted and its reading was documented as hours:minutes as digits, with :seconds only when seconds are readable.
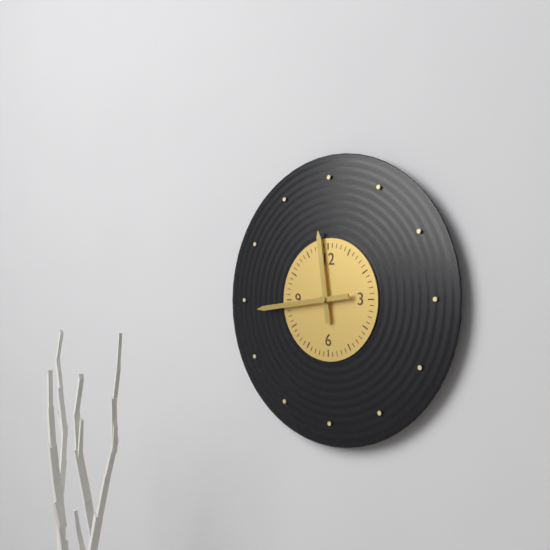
11:44
